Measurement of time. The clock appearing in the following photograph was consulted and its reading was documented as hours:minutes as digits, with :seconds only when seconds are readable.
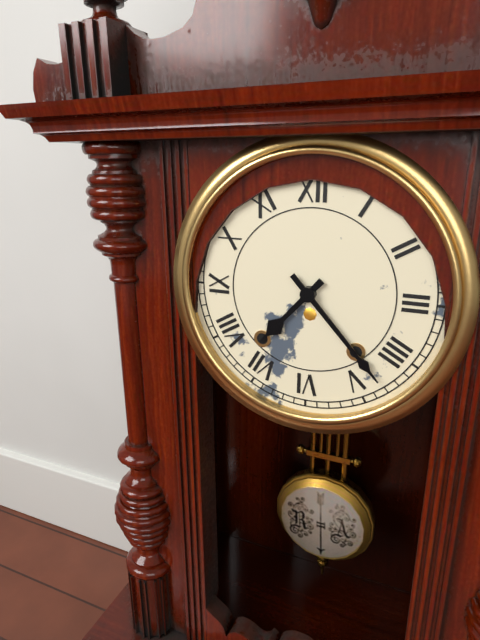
7:23
